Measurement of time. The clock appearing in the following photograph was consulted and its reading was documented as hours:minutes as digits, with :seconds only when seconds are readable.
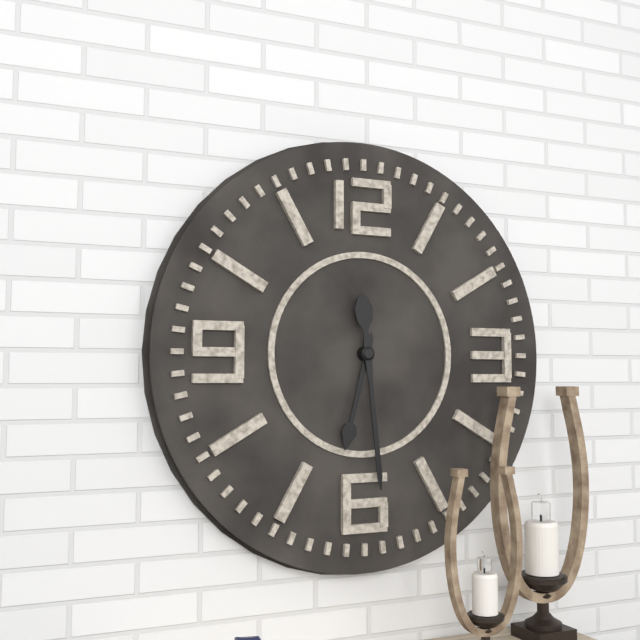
6:29
